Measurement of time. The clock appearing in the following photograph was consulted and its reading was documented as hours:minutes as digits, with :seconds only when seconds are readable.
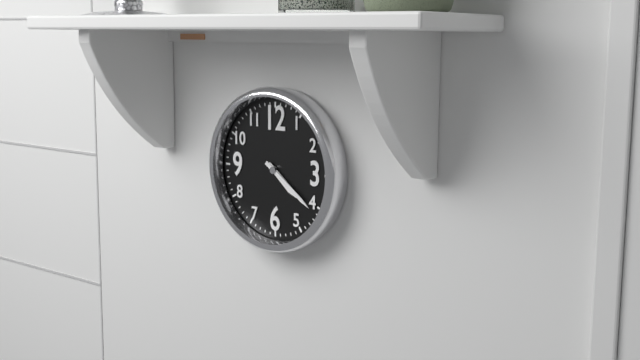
4:21
